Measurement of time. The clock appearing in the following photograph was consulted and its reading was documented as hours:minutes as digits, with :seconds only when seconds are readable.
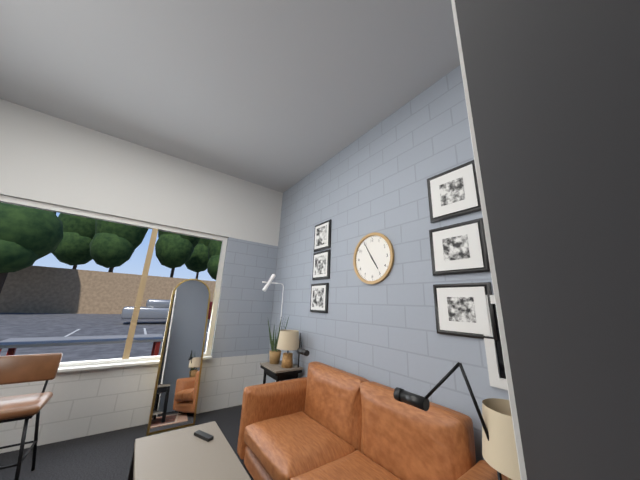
4:55
